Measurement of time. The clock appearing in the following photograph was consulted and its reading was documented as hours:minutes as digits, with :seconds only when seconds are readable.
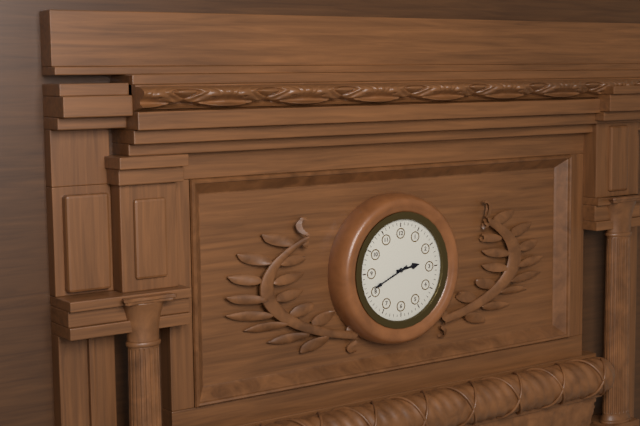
2:41
